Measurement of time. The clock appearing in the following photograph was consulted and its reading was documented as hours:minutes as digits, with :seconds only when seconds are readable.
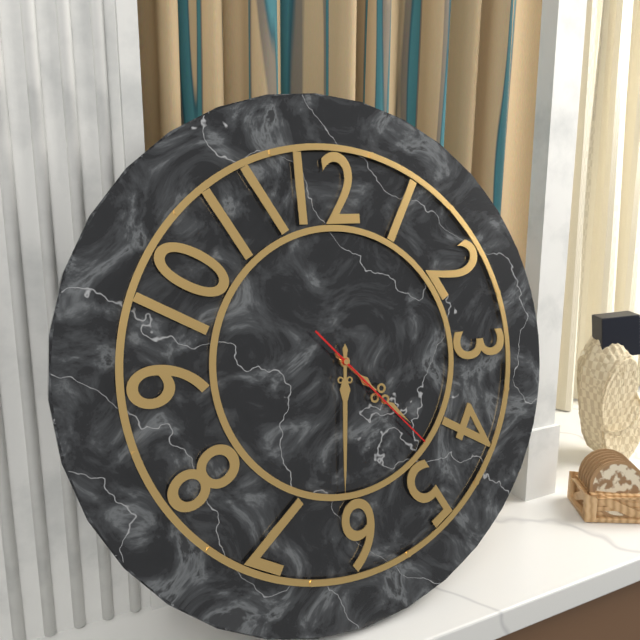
4:31:23
